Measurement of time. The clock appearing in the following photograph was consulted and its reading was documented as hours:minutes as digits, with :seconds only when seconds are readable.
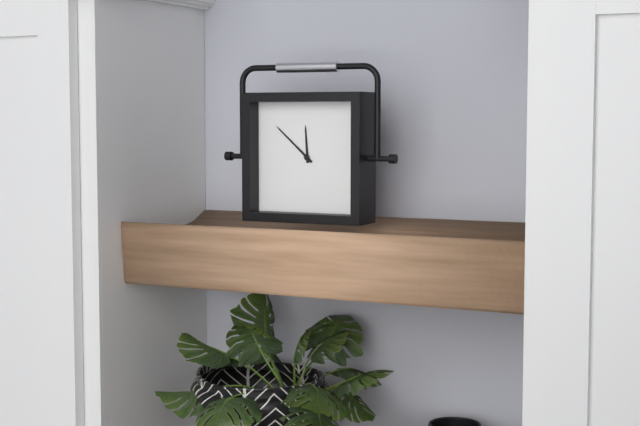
11:52
